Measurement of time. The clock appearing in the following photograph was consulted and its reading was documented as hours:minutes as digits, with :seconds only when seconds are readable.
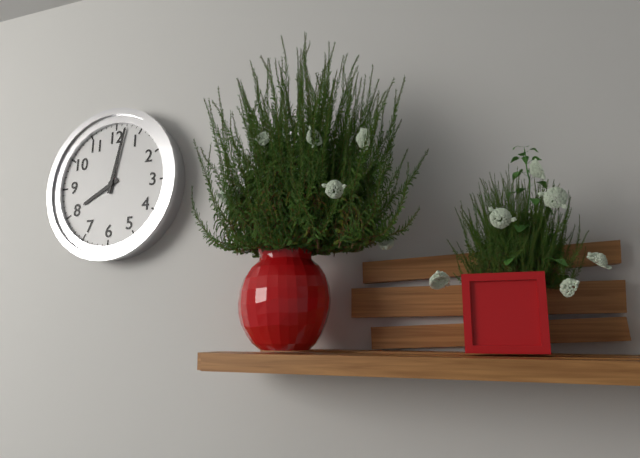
8:02
